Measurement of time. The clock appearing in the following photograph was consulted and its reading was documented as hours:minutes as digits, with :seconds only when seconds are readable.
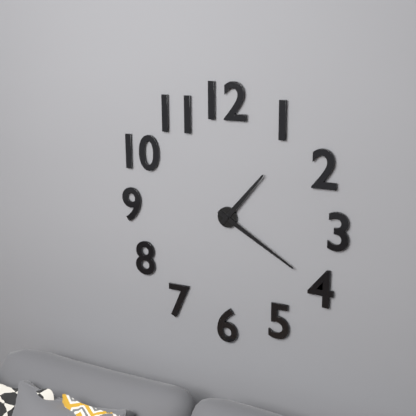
1:20
